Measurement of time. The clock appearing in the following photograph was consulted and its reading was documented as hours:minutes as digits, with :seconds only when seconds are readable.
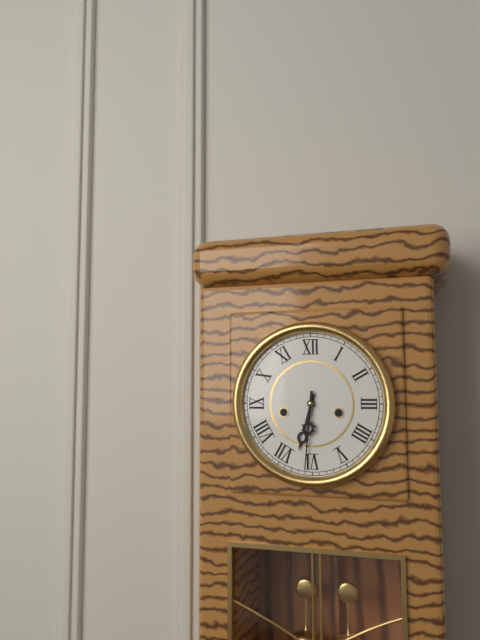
6:31
